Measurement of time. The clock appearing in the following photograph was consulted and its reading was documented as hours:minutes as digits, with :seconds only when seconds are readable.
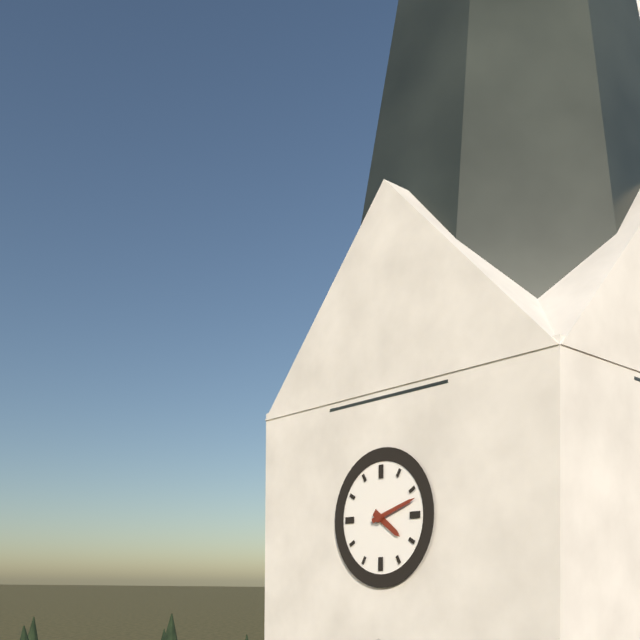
4:12
